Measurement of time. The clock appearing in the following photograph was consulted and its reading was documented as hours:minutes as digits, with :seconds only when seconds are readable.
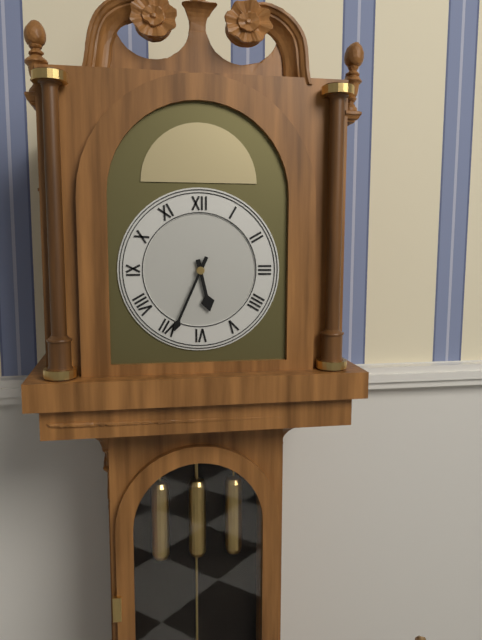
5:34
